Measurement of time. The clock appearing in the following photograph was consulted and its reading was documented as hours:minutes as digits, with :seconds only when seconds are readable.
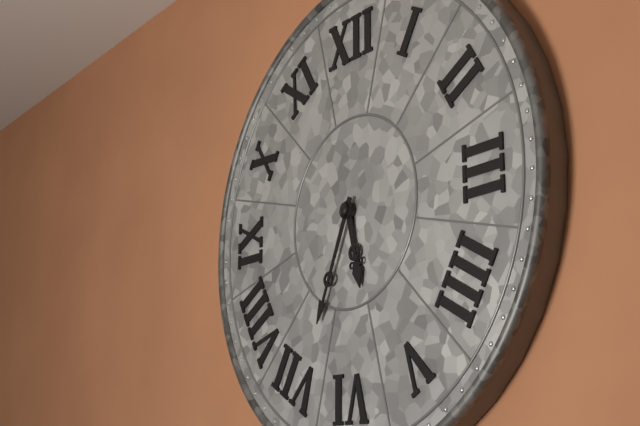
5:34
